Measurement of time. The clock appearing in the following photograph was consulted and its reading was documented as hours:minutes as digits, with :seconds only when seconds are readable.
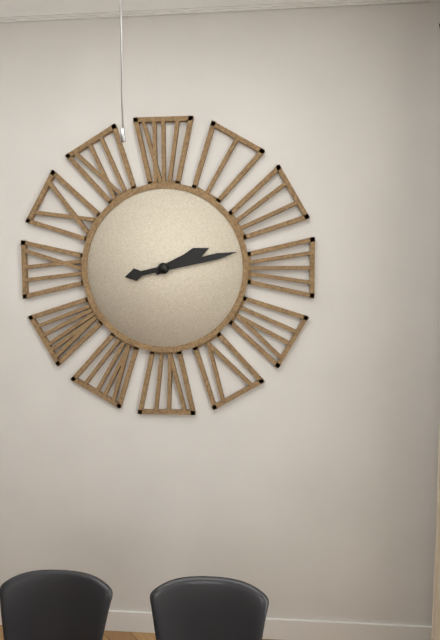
2:13
